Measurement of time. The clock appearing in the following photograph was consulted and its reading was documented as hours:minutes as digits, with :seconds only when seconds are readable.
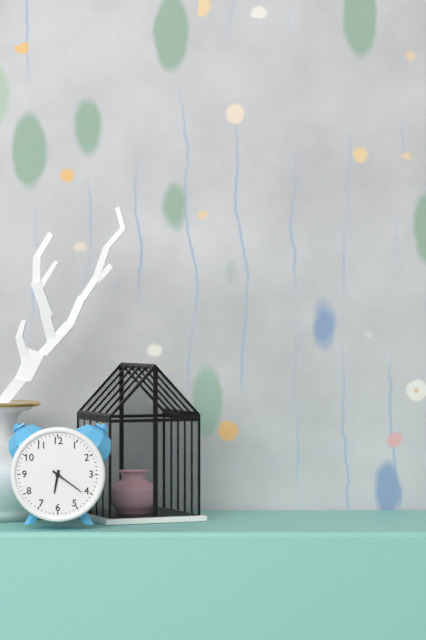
6:21
